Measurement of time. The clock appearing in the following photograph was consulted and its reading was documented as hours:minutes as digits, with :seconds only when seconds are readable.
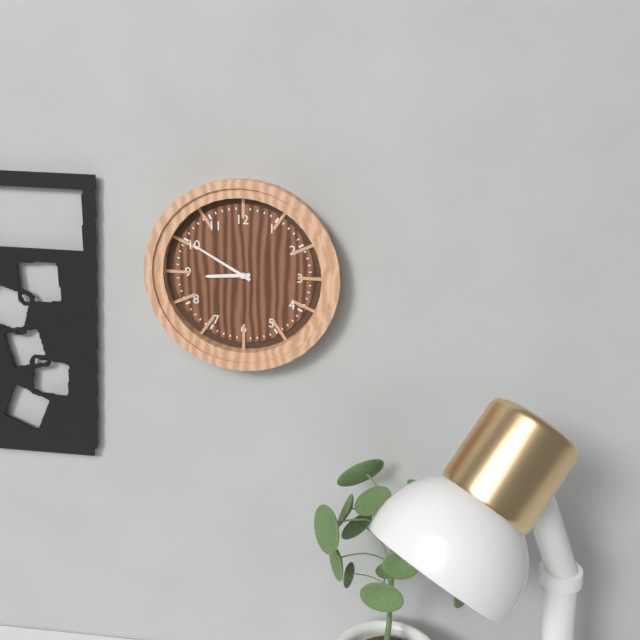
8:50
